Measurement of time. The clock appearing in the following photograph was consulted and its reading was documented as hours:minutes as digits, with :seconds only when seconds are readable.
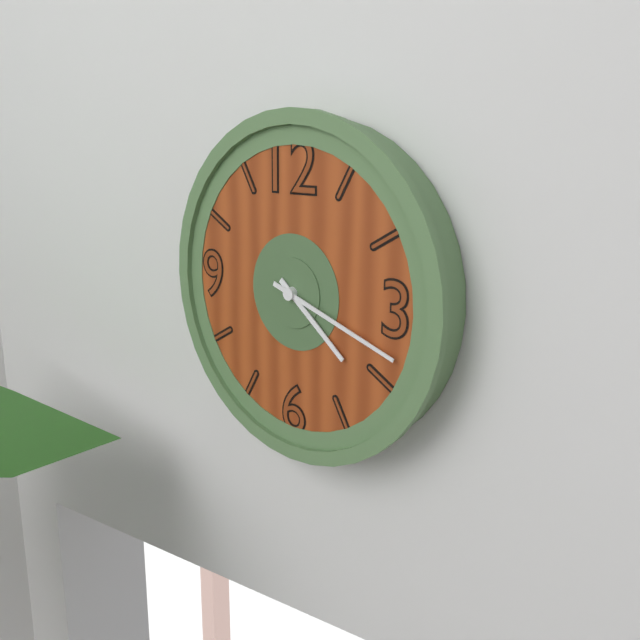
4:18
